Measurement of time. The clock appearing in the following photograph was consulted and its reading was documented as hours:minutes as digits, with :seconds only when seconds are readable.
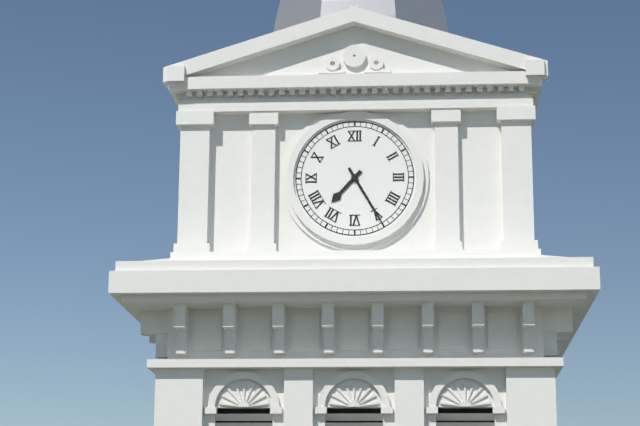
7:25
